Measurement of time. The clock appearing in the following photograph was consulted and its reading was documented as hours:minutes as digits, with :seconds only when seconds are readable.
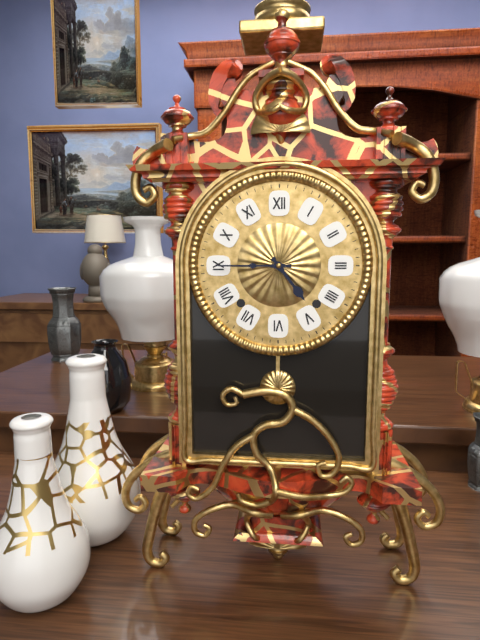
4:45
